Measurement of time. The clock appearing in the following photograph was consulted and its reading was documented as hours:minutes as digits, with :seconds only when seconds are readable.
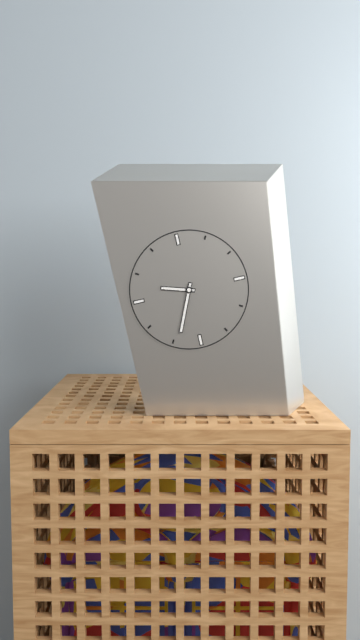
9:34
